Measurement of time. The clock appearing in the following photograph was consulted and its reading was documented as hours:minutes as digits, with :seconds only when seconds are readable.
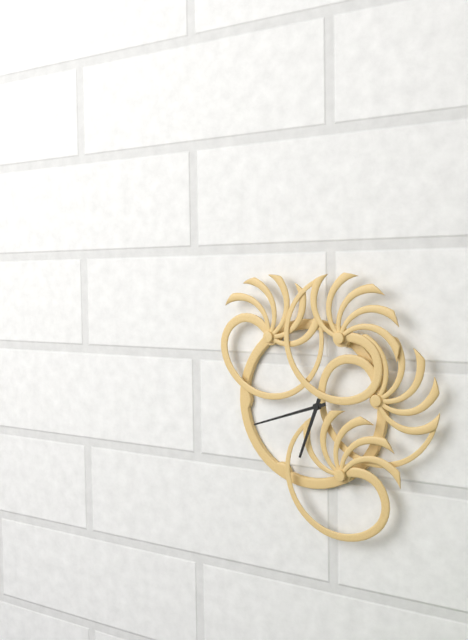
6:42
